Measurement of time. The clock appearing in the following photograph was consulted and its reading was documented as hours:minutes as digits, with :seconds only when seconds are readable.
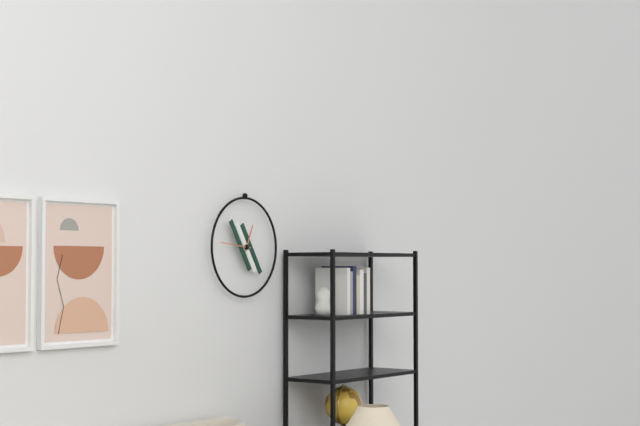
12:46
